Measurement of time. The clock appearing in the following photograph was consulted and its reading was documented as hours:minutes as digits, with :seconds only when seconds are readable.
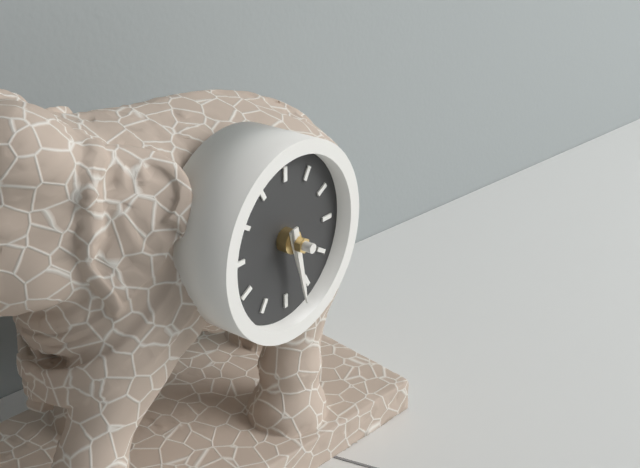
5:28
